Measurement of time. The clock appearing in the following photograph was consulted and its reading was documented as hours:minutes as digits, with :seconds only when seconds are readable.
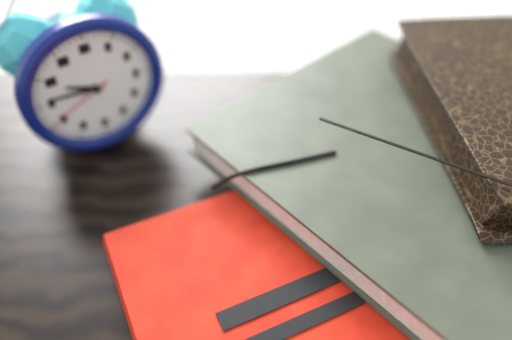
9:46:41
